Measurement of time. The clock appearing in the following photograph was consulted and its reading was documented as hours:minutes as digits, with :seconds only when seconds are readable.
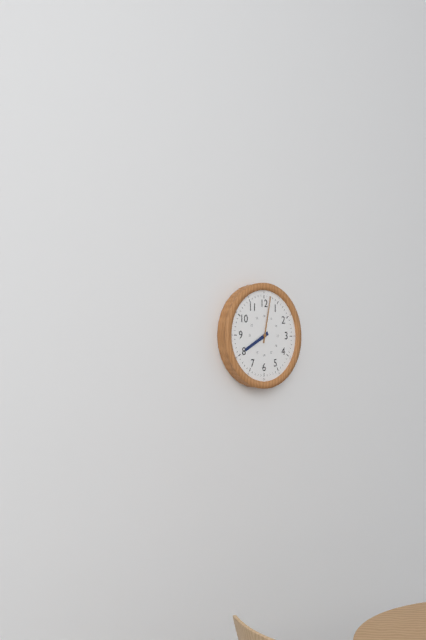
8:02
